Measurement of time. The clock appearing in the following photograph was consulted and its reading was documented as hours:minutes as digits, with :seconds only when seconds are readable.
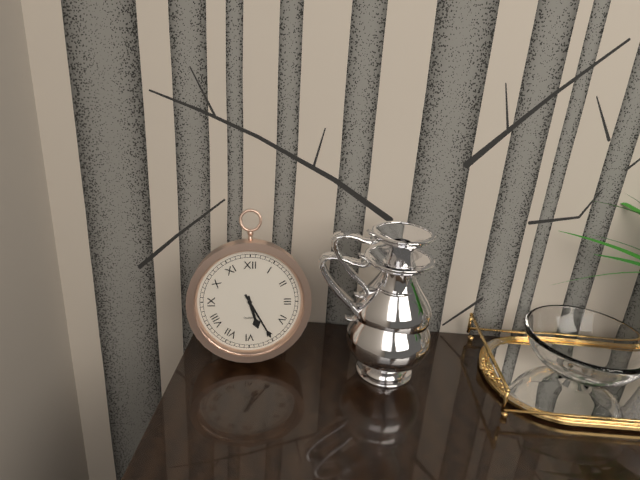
5:25
